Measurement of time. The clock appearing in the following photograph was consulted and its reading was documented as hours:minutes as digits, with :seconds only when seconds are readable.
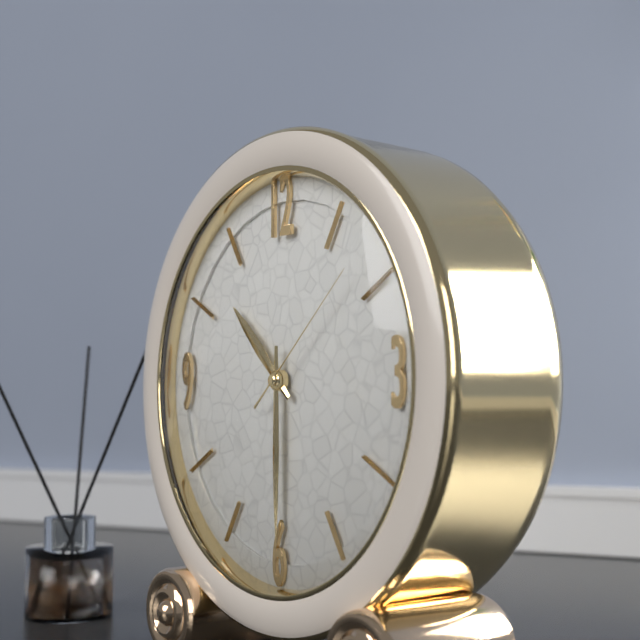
10:30:08
